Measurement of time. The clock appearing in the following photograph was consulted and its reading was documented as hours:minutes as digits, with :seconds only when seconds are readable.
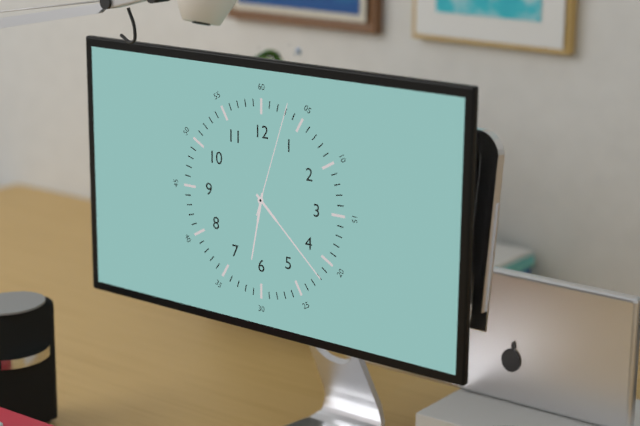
6:22:03
